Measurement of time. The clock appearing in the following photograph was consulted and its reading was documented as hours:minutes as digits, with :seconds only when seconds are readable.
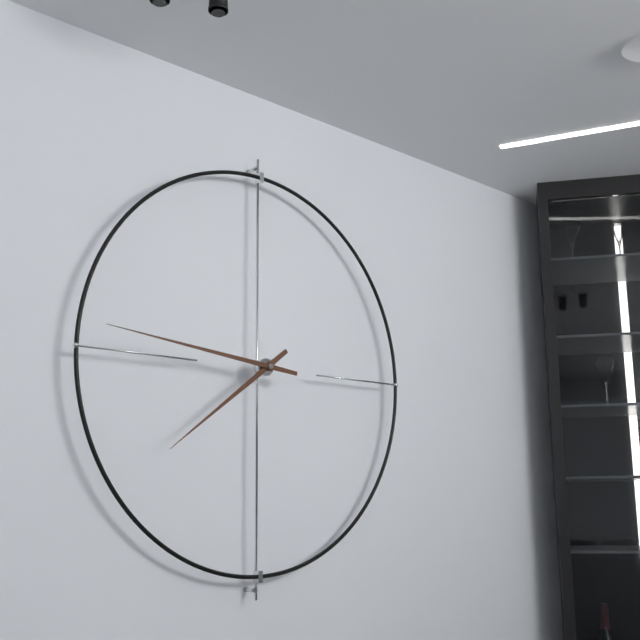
7:46
